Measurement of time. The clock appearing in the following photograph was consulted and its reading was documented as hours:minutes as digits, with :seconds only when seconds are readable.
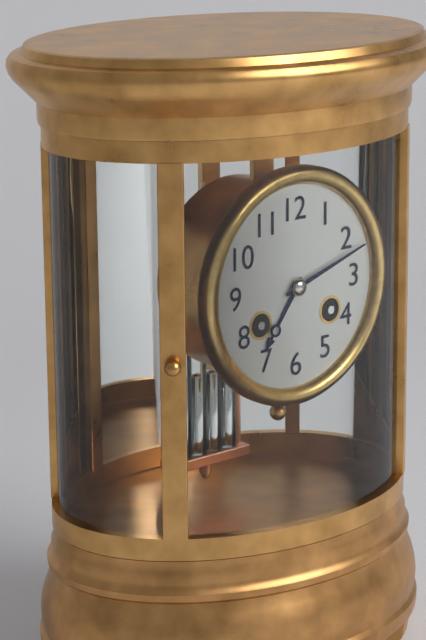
7:12
